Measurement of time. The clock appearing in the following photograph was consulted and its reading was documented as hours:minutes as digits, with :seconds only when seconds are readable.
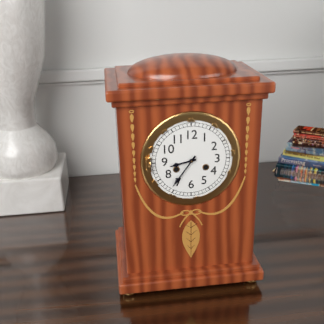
8:36
